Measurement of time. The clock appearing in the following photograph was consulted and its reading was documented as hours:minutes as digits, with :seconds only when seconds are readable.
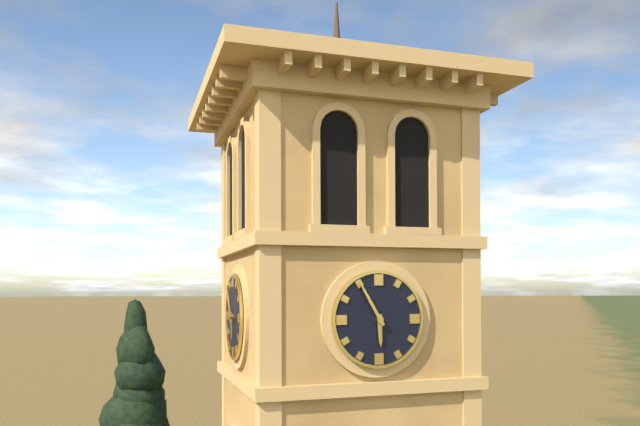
5:55
